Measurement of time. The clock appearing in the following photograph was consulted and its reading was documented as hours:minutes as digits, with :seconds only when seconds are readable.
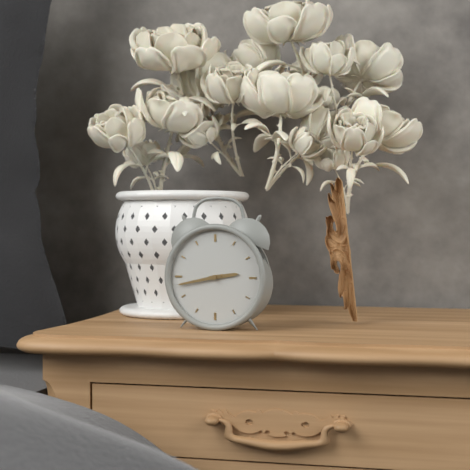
2:43
